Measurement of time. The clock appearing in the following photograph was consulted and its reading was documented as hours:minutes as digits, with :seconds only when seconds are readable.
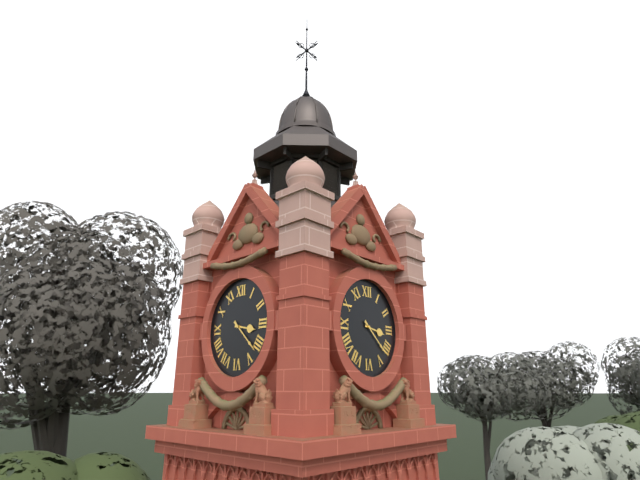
3:22
